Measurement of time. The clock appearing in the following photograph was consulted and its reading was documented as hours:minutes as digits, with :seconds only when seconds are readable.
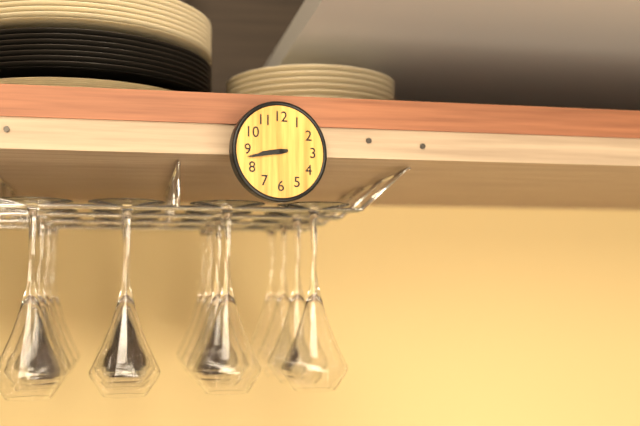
8:43
